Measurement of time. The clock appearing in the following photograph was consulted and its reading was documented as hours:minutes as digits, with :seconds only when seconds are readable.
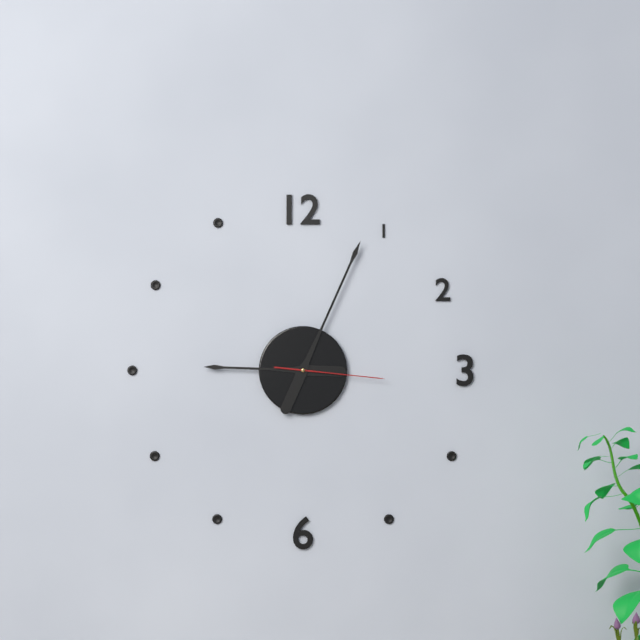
9:04:16
